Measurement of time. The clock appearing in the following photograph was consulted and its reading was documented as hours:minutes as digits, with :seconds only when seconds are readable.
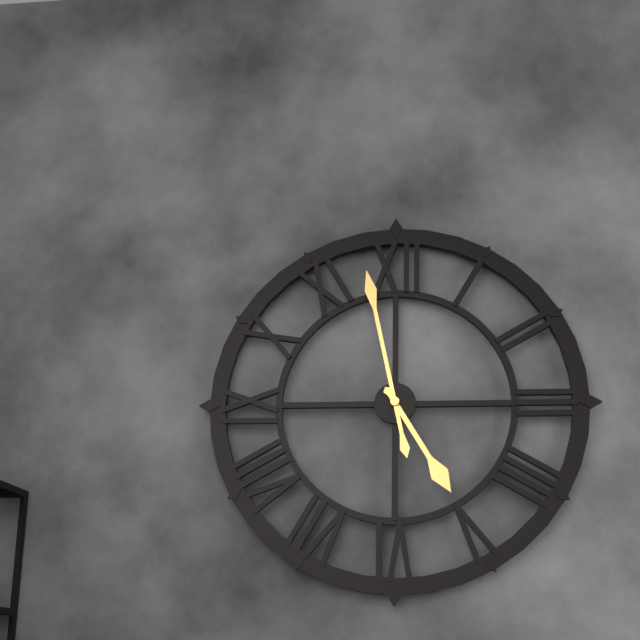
4:58
